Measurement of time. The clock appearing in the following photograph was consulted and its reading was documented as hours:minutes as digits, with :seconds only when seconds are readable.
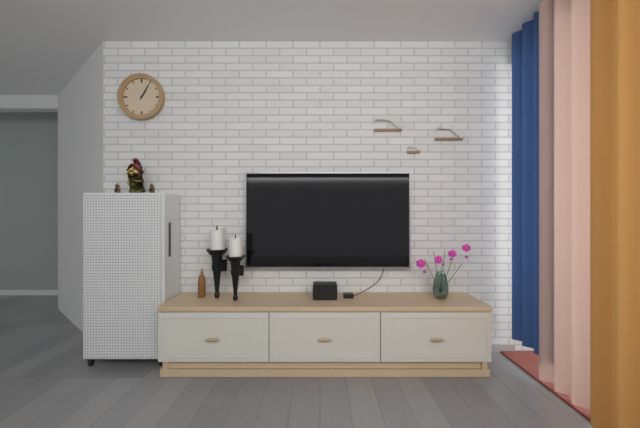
1:05
